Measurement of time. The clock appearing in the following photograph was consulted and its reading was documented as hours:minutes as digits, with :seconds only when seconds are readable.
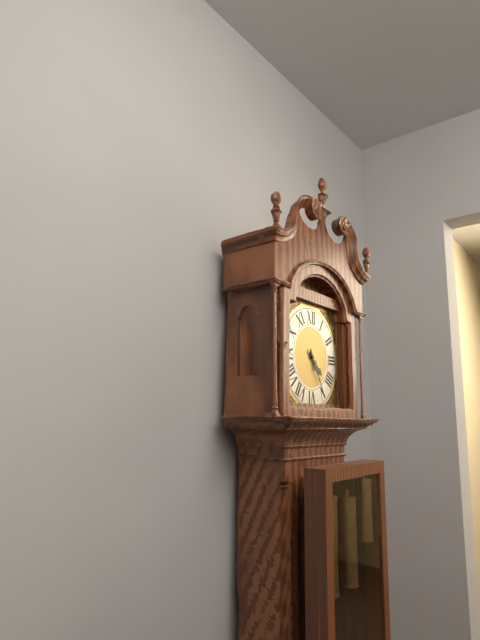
4:25
